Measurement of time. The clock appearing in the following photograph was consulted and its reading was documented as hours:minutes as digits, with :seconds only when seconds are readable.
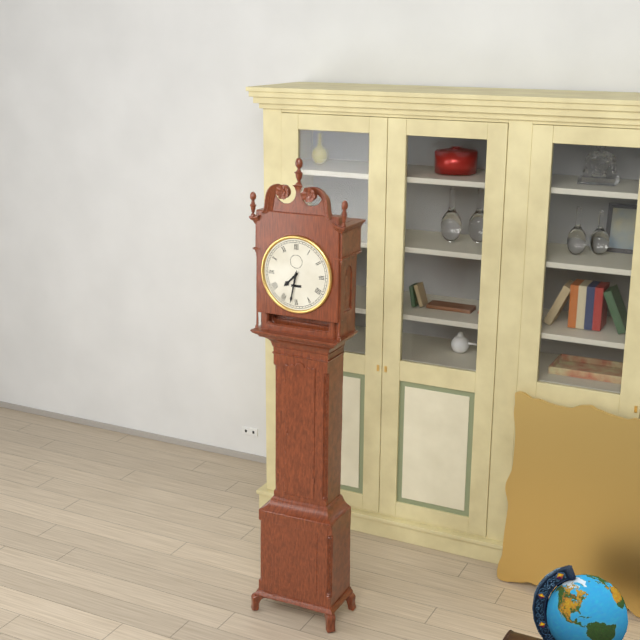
7:32
